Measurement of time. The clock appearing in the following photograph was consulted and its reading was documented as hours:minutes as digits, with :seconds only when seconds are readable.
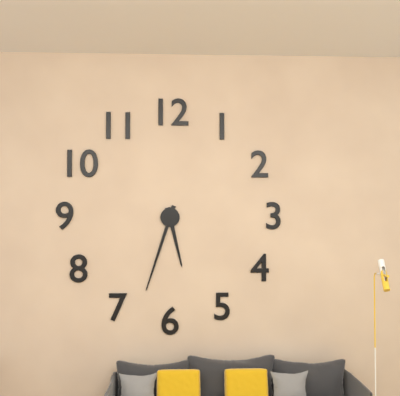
5:33
